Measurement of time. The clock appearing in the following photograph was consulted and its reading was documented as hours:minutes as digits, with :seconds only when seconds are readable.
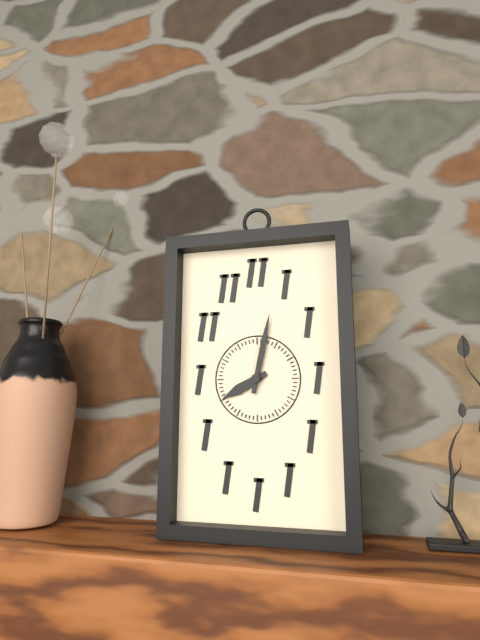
8:02
